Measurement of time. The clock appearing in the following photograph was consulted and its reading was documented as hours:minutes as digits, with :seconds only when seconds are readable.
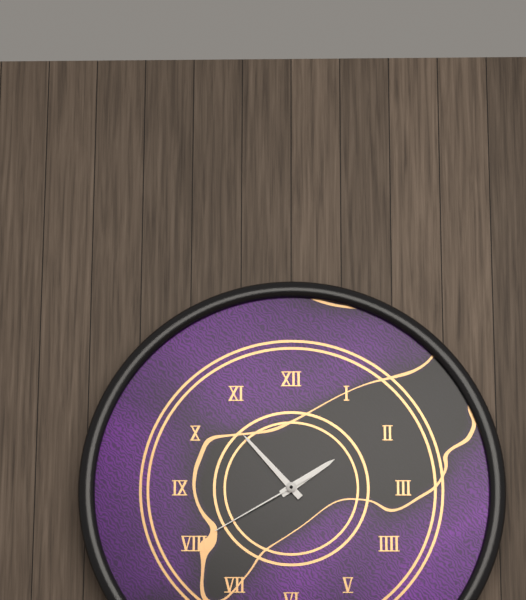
1:53:40
